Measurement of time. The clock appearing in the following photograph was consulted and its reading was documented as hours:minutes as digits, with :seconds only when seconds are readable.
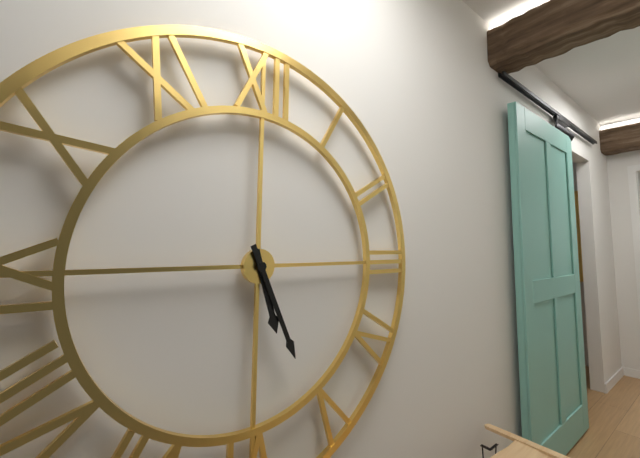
5:26
